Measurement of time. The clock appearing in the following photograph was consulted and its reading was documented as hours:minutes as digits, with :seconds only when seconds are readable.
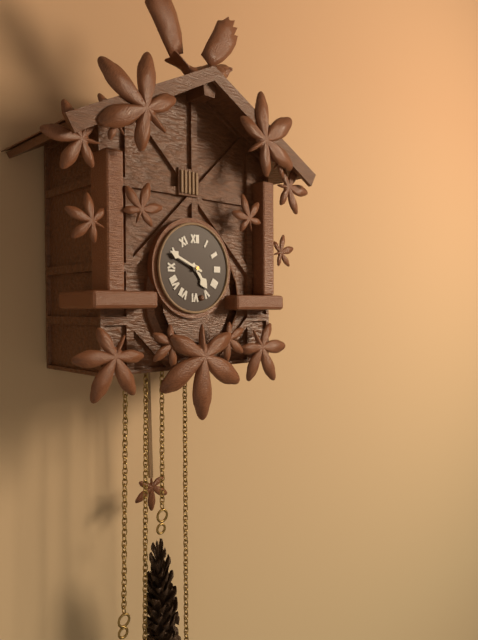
4:49
